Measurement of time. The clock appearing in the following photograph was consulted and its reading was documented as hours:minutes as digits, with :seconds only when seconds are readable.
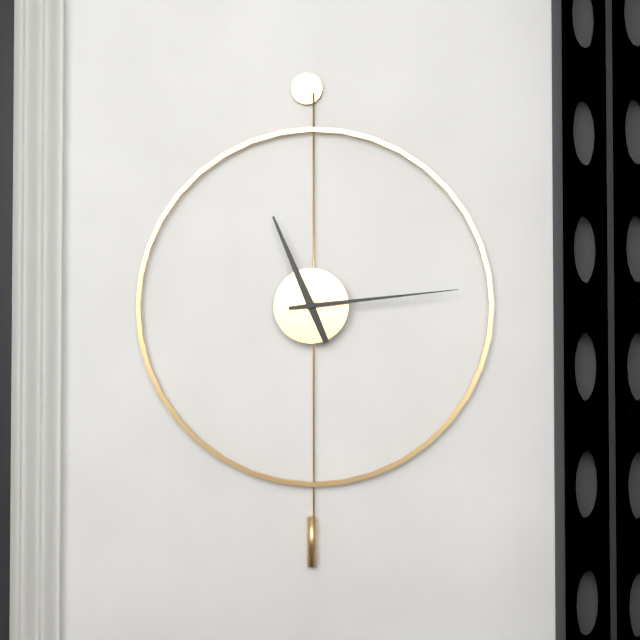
11:14
